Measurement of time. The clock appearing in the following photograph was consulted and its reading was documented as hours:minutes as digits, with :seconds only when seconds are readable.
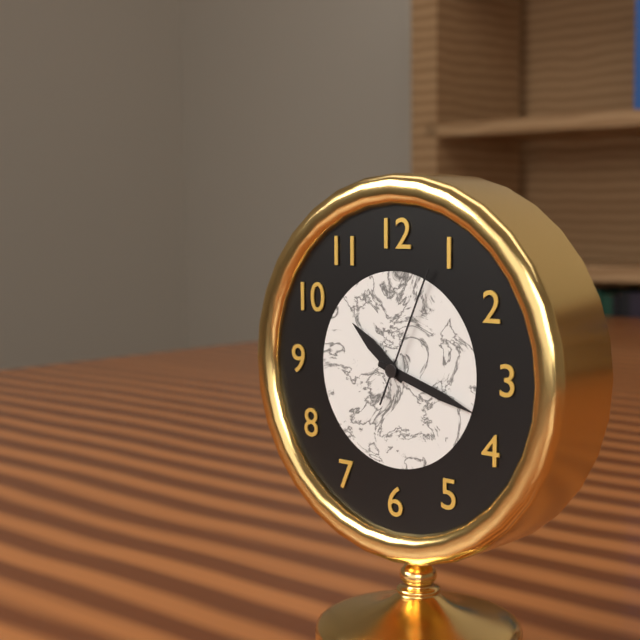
10:18:04
